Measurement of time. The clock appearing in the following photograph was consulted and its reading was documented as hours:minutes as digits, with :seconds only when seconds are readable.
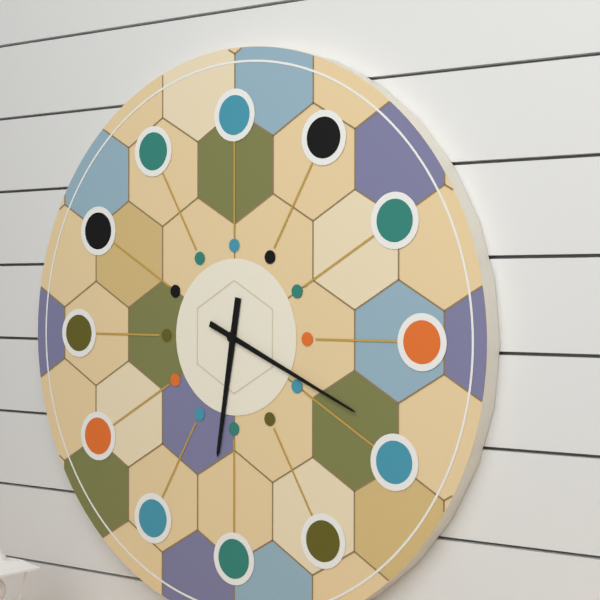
6:19
